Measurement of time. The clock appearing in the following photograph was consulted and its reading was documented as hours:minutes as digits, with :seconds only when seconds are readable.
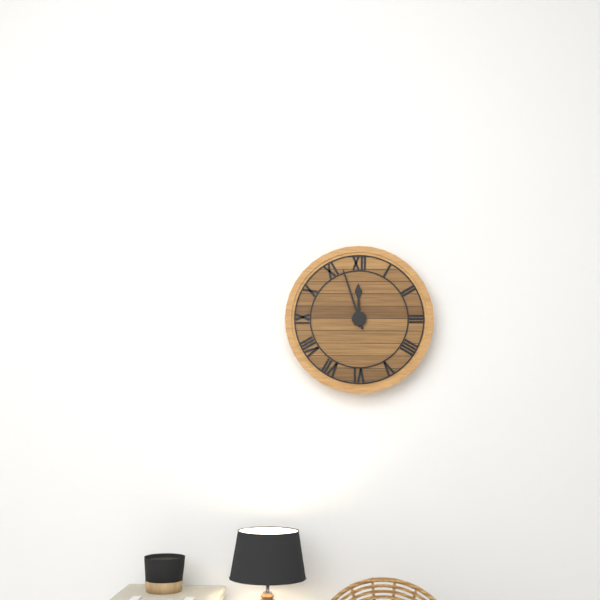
11:57
